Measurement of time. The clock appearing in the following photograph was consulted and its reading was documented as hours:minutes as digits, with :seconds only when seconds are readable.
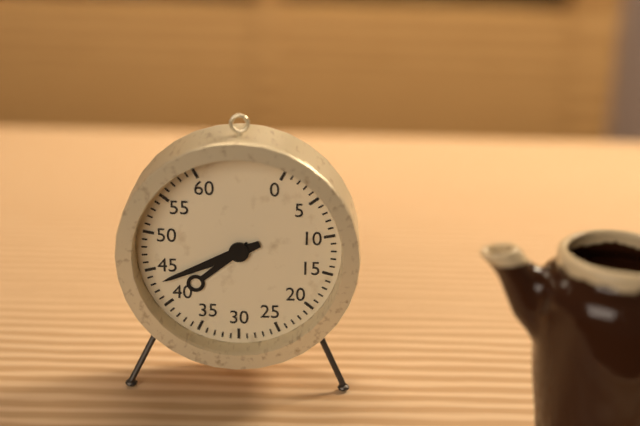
7:41
